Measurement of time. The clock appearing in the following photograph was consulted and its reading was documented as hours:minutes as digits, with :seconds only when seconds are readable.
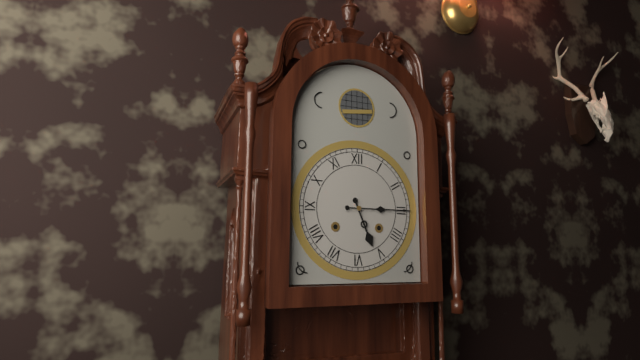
5:15
